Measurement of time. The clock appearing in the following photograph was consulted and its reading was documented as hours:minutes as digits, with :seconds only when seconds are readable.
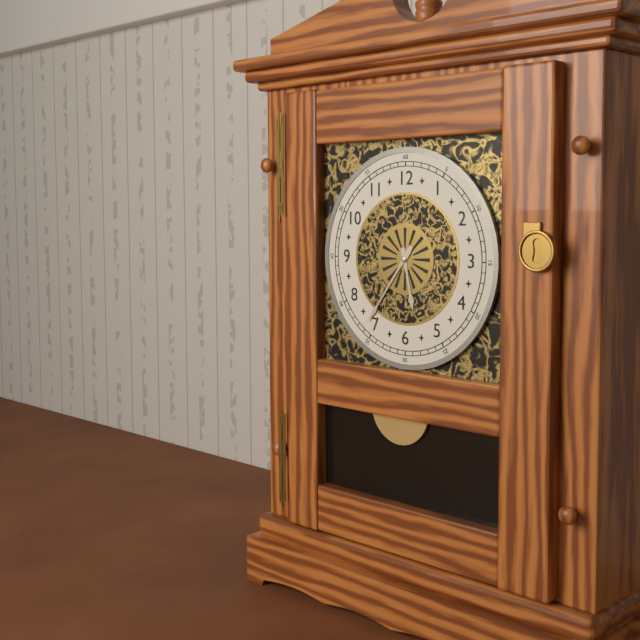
5:36
